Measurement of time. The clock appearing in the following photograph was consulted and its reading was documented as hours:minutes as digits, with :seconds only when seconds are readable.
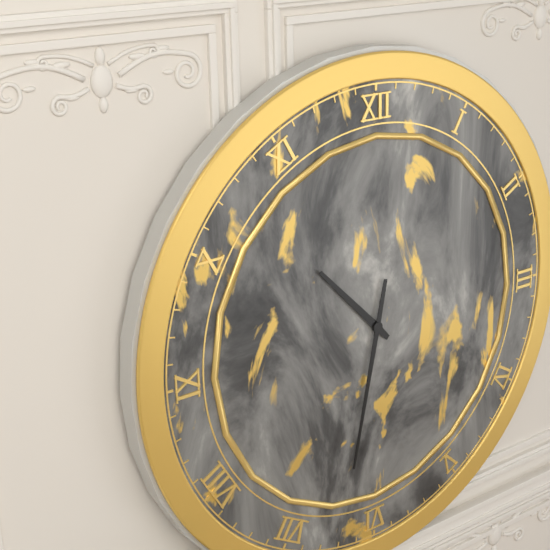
10:32
